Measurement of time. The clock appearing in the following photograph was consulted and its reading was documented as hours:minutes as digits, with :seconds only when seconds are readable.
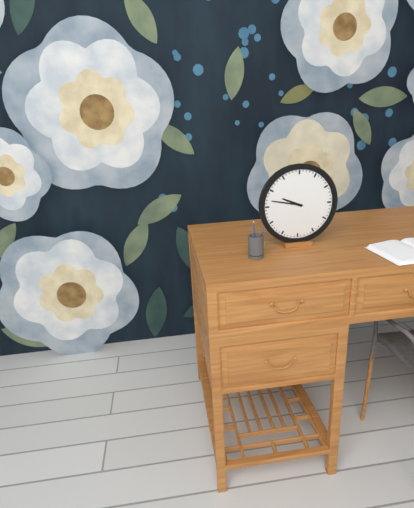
9:47
